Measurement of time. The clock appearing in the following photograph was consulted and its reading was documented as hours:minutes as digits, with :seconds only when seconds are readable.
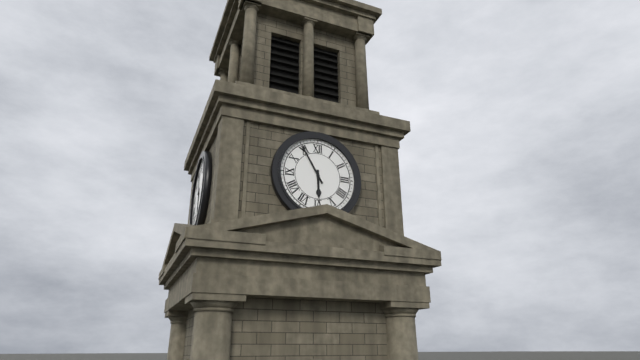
5:55
